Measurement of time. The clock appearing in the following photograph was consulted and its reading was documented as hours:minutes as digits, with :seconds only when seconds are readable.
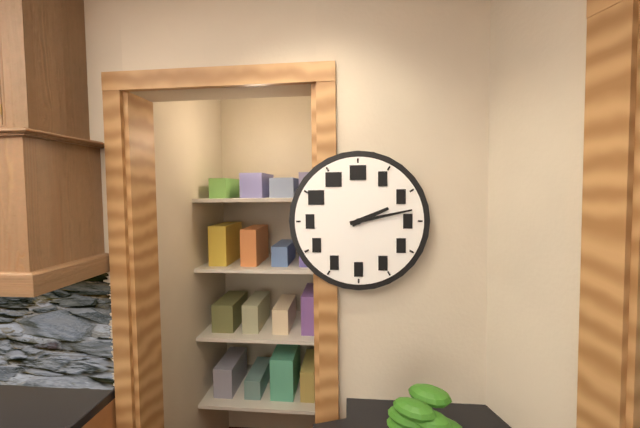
2:13
